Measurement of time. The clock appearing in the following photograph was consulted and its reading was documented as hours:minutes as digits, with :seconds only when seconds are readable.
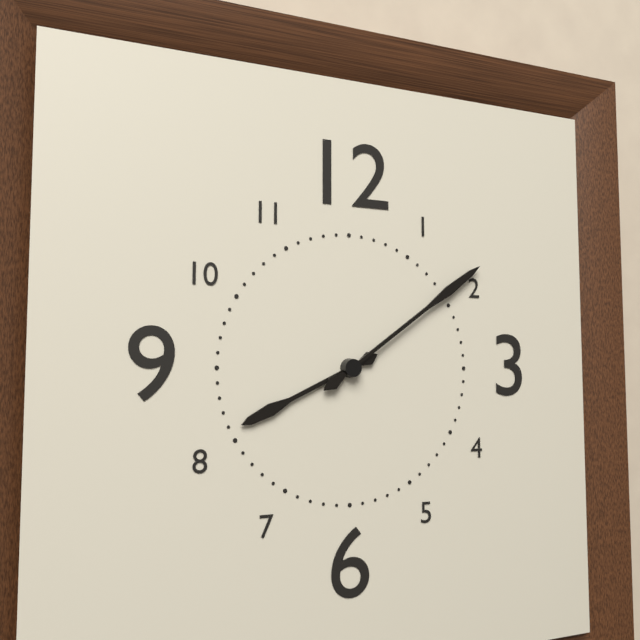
8:09
